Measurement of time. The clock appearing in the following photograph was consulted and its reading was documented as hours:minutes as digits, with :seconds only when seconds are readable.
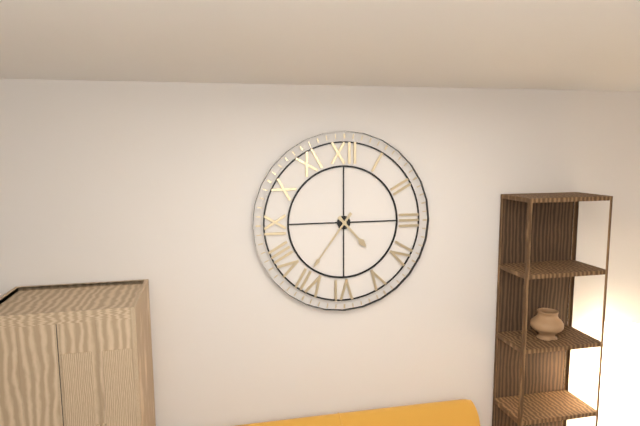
4:36
